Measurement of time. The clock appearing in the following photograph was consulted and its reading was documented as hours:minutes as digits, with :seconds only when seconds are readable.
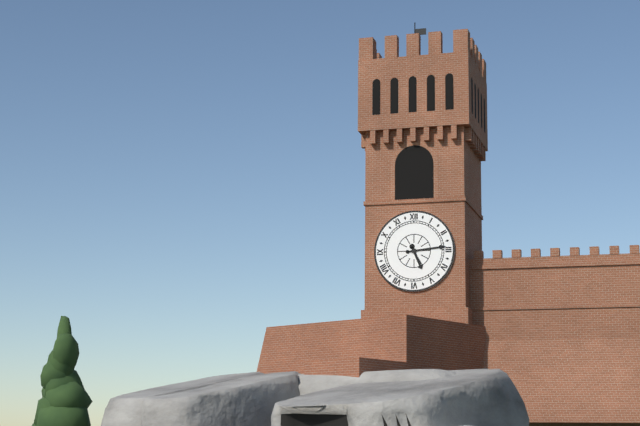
5:14
